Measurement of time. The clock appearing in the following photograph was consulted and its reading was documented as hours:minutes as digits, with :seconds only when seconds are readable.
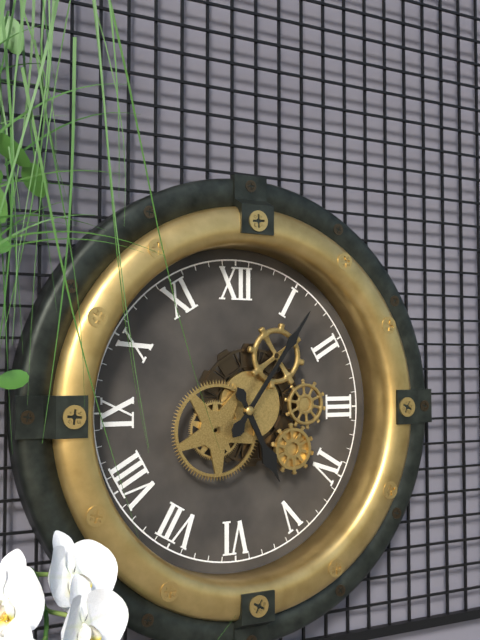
5:06
